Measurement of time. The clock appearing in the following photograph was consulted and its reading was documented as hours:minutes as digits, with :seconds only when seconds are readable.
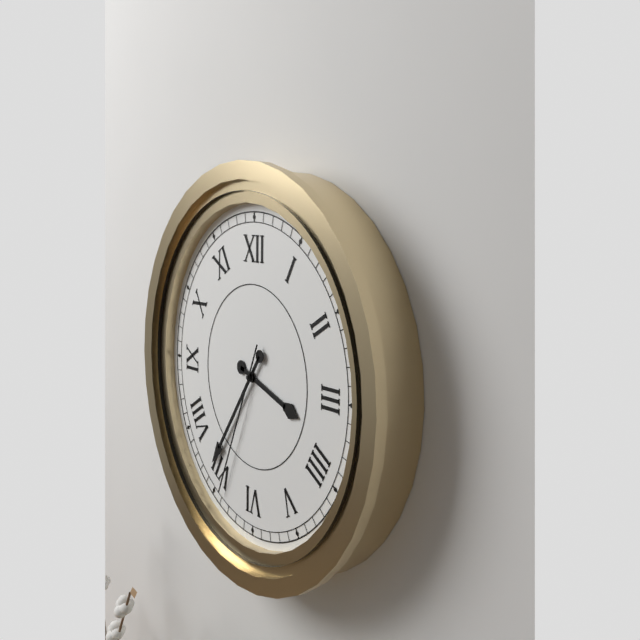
3:36:34
